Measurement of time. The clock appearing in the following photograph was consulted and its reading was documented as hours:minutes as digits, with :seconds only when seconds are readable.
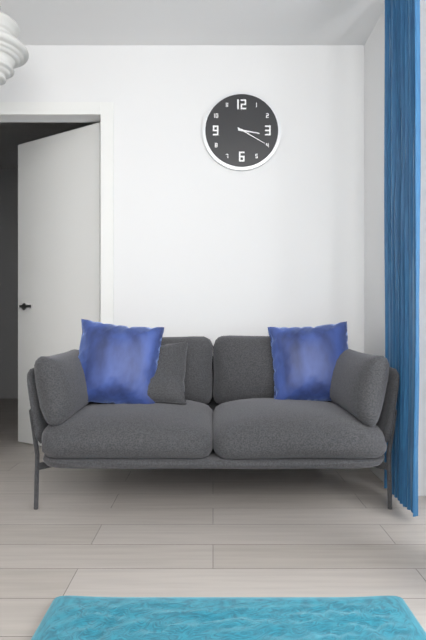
3:20
